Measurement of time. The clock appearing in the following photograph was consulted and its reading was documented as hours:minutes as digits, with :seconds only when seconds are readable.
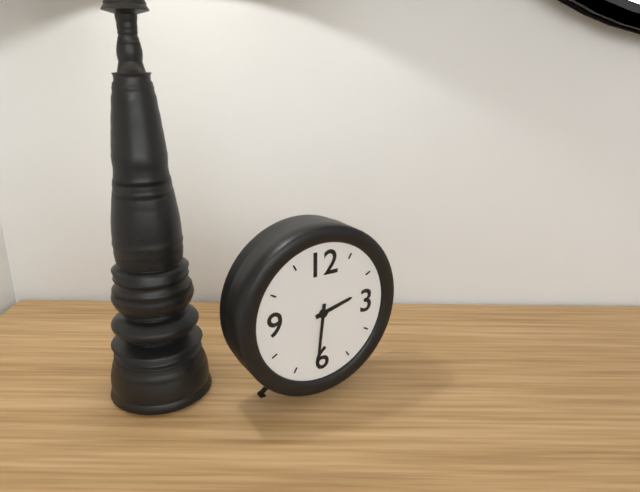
2:31
